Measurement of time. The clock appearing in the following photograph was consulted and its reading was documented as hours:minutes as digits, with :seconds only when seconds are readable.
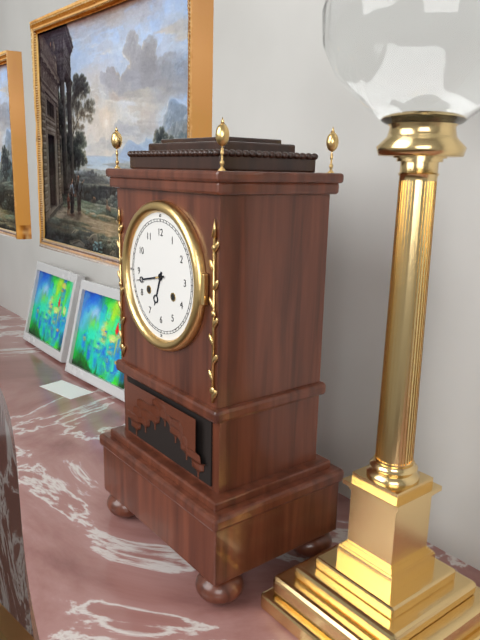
6:43
